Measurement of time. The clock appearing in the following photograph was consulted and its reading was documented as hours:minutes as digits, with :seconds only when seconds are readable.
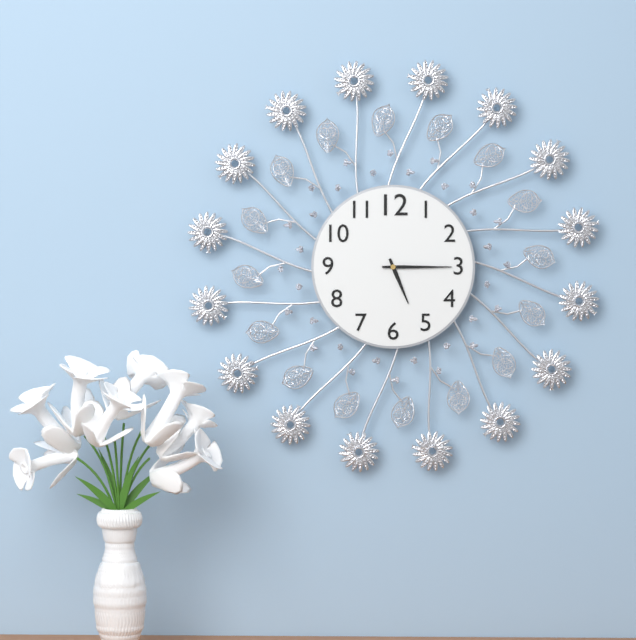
5:15
